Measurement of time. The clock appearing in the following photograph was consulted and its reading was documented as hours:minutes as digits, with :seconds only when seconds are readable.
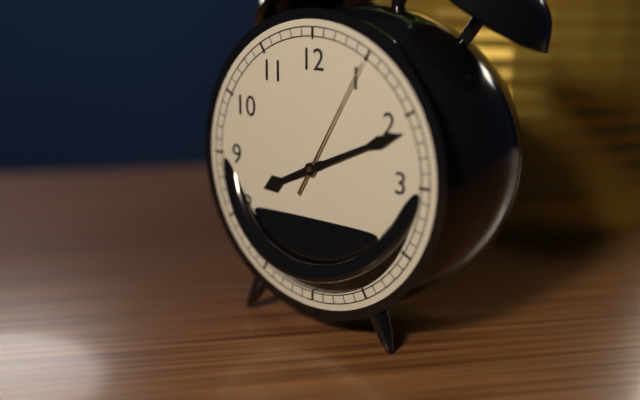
8:11:05
